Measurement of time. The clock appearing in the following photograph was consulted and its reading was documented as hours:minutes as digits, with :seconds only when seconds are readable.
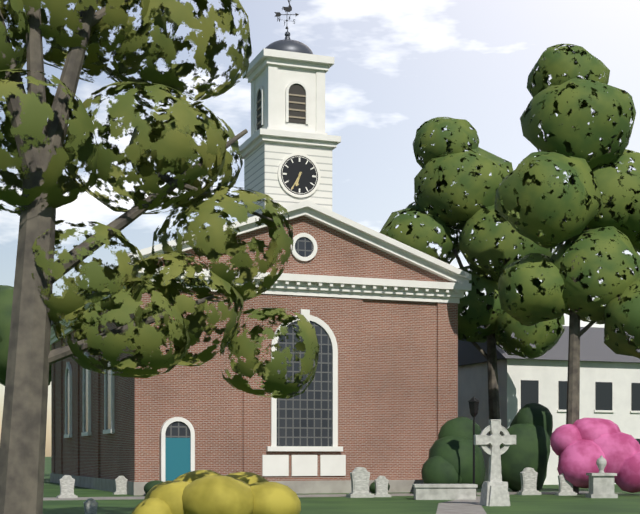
6:35
